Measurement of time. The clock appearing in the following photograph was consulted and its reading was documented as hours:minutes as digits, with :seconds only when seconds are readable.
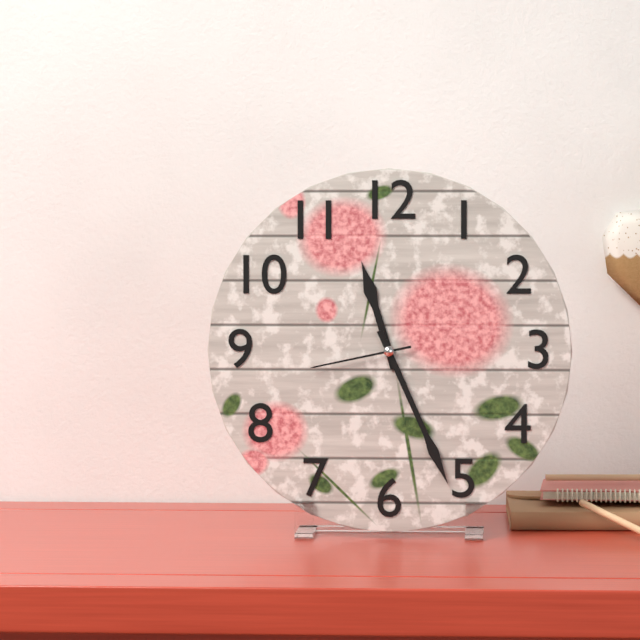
11:26:43
